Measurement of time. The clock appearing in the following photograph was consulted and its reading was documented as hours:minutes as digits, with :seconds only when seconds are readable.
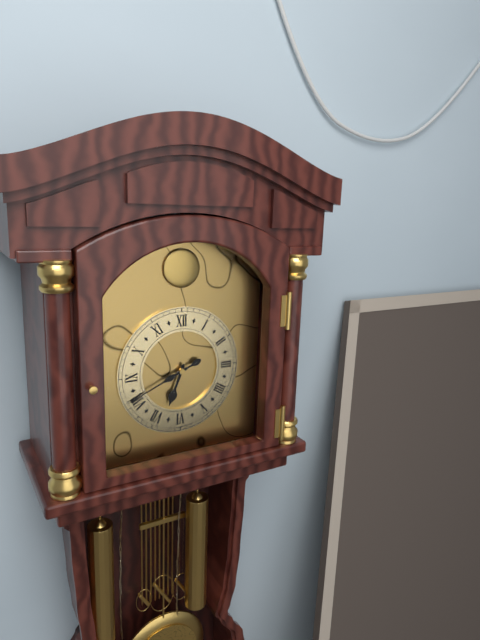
6:41
